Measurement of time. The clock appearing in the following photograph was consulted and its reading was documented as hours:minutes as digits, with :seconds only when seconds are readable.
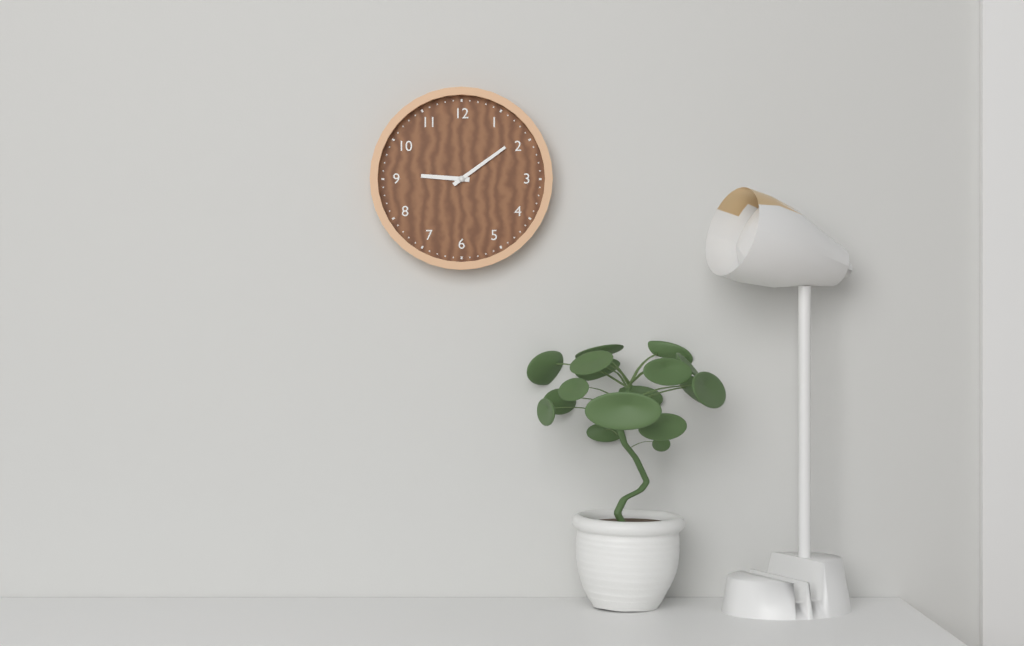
9:09
